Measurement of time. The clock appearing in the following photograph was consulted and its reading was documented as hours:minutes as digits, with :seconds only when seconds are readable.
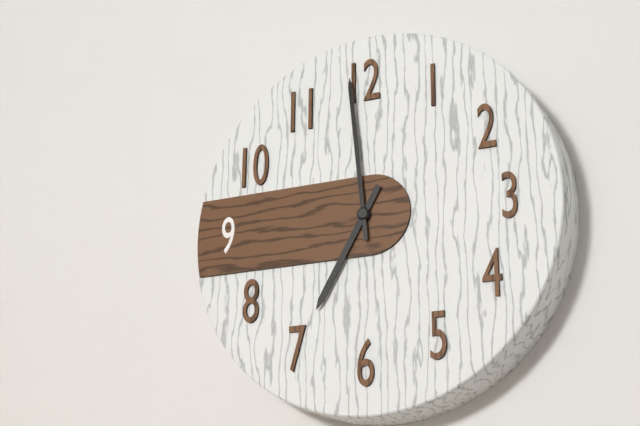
6:59
